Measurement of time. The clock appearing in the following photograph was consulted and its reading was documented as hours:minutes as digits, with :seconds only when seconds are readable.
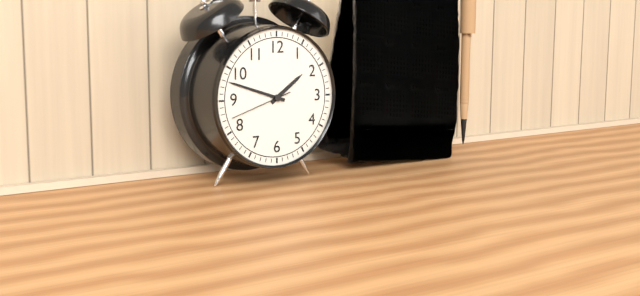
1:48:42
